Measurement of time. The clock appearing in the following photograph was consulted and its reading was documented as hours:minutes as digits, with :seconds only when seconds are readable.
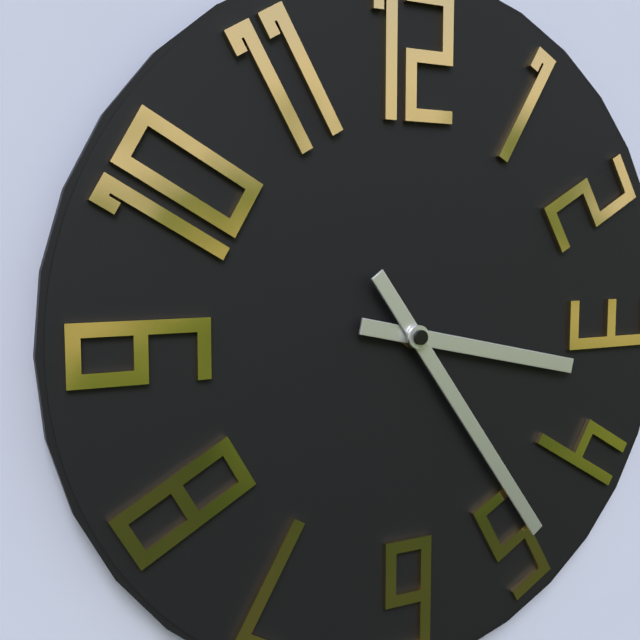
3:24
